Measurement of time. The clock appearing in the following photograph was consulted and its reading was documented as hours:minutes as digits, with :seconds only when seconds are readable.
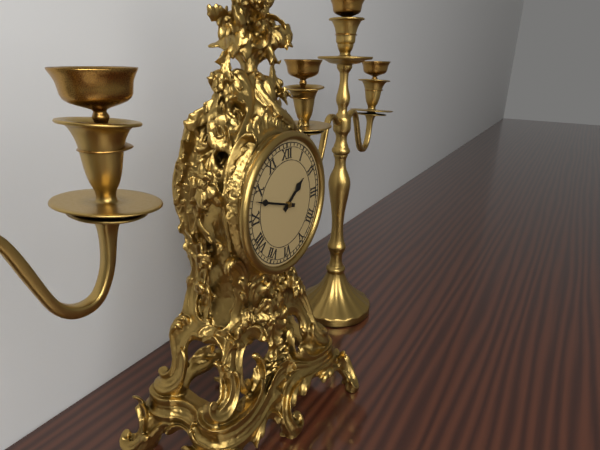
1:48
